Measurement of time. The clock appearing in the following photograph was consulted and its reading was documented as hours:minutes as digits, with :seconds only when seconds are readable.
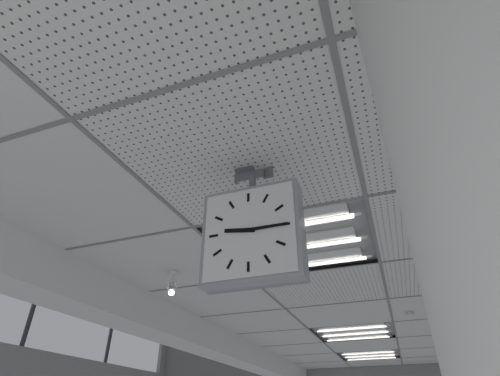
9:15
